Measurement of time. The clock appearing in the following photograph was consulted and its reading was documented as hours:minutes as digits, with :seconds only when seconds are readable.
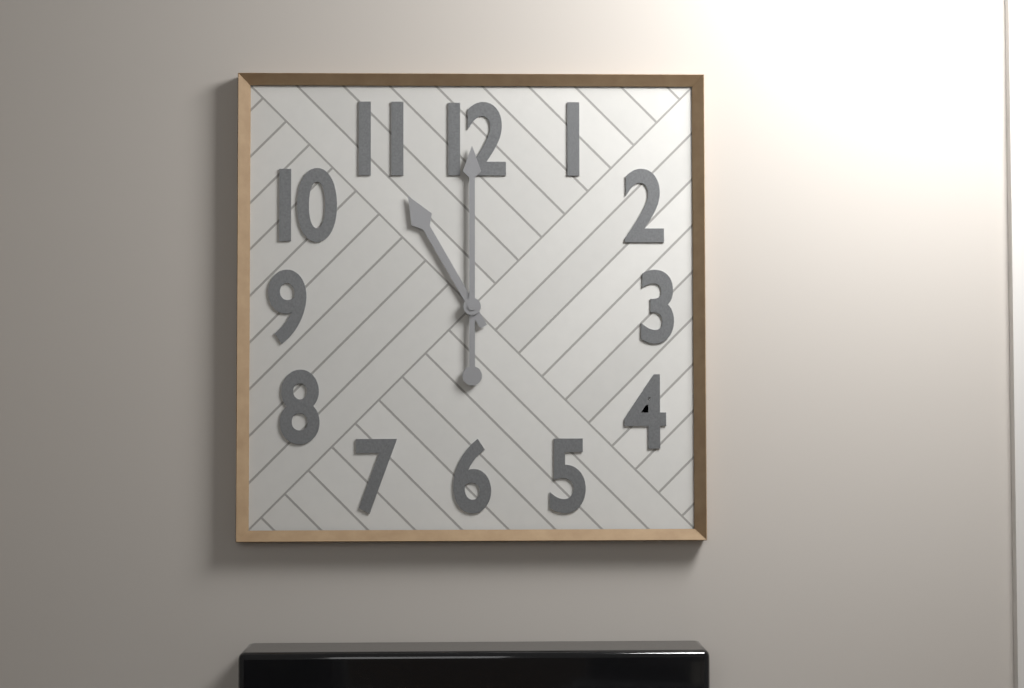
11:00
